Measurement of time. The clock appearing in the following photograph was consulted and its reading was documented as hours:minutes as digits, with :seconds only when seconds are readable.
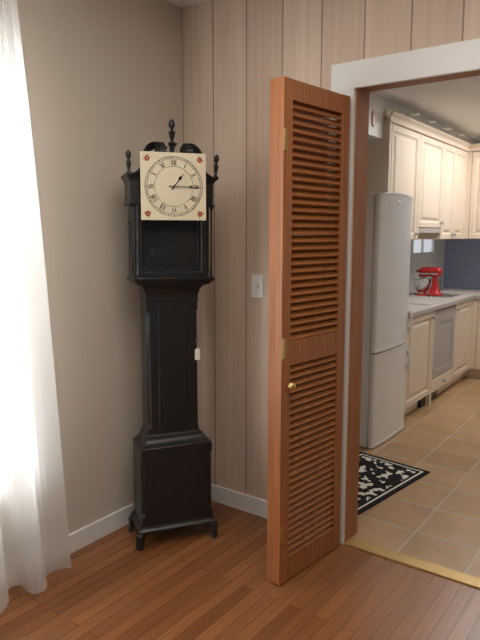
1:15
